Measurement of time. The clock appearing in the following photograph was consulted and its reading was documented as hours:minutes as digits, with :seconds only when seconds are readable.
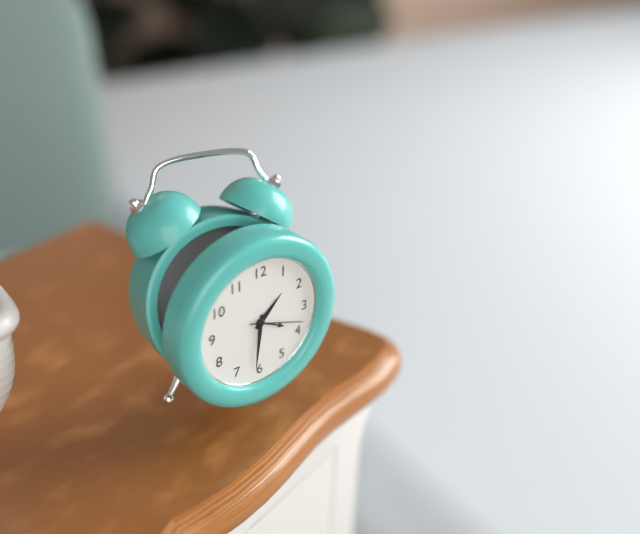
1:31:18
